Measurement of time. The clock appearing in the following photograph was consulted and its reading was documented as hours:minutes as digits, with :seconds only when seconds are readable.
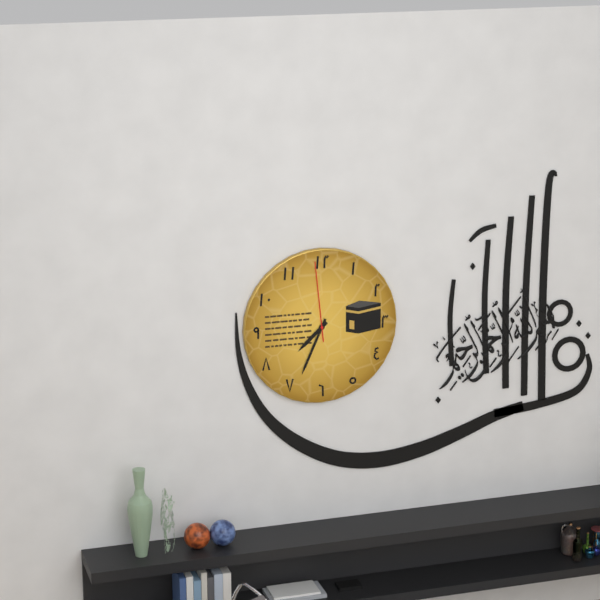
7:34:59
